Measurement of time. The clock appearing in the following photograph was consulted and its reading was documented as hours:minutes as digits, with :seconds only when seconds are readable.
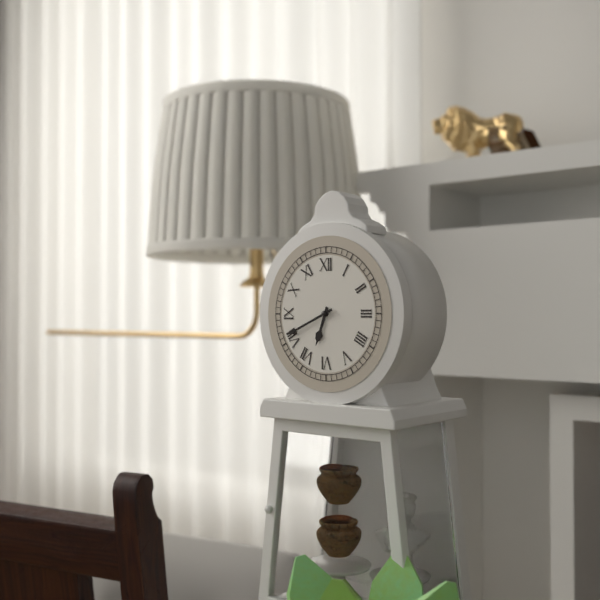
6:41
